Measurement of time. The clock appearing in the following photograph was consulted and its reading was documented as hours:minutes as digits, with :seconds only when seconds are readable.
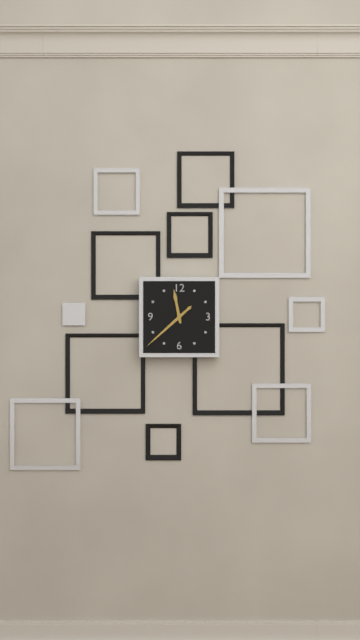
11:38
